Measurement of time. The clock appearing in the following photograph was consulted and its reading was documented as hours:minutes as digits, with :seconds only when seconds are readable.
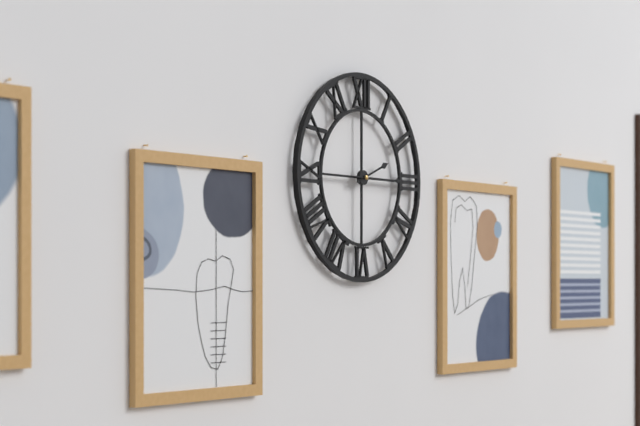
2:15
